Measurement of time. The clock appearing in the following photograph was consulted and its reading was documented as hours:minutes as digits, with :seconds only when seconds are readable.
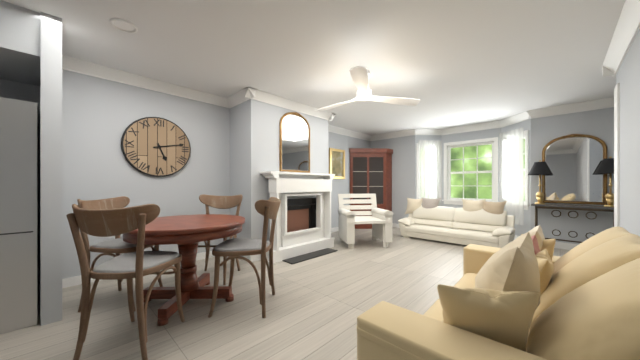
5:13
